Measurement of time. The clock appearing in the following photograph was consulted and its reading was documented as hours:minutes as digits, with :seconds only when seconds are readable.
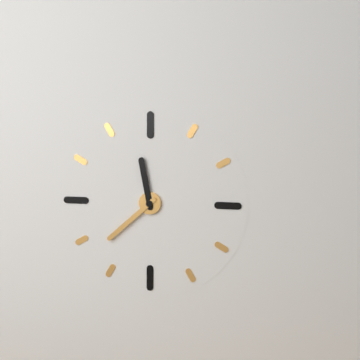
11:38
